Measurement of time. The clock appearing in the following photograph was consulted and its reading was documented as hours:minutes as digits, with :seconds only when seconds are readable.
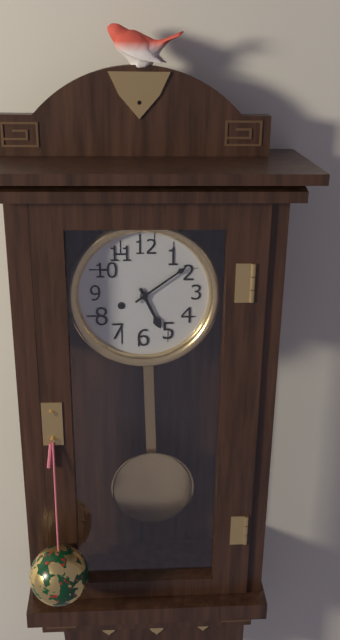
5:09
